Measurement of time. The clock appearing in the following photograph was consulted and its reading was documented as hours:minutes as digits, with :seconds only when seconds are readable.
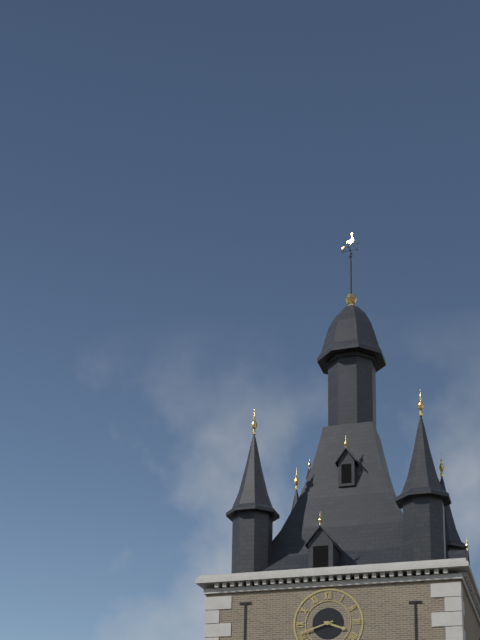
3:42
